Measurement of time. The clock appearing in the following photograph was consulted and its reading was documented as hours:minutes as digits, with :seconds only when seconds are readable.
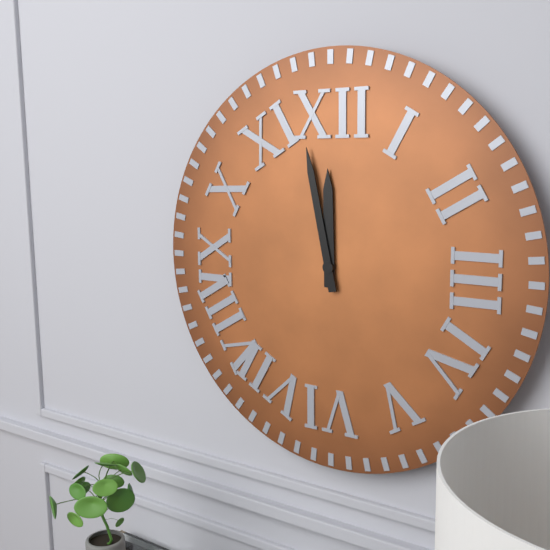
11:58
